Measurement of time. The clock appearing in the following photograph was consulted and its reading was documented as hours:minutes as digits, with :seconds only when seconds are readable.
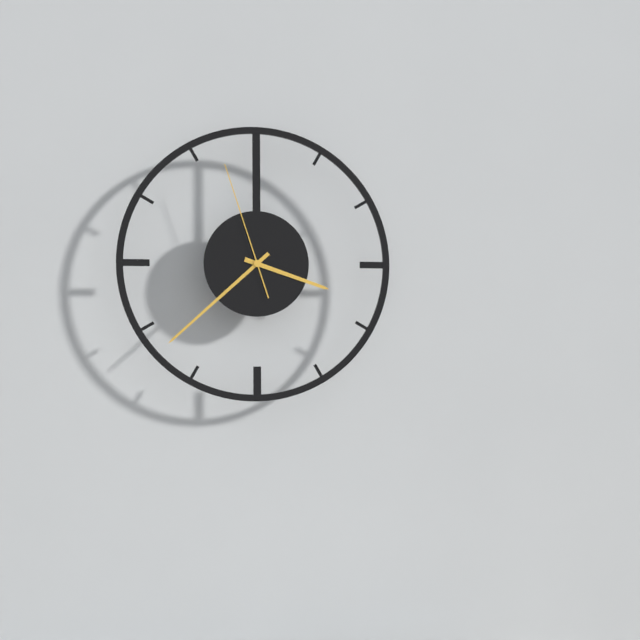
3:38:57
